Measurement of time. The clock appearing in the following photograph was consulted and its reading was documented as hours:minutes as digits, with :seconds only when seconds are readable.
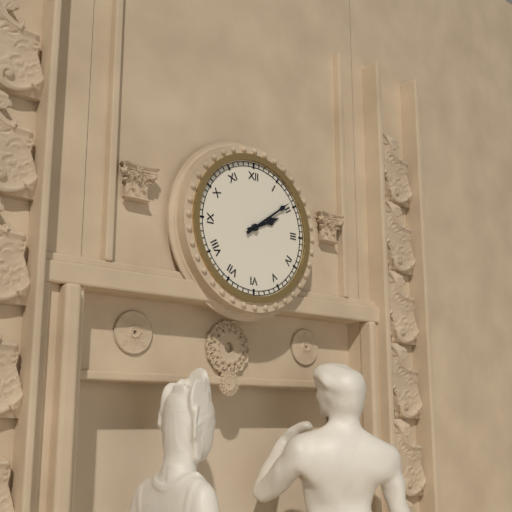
2:09
